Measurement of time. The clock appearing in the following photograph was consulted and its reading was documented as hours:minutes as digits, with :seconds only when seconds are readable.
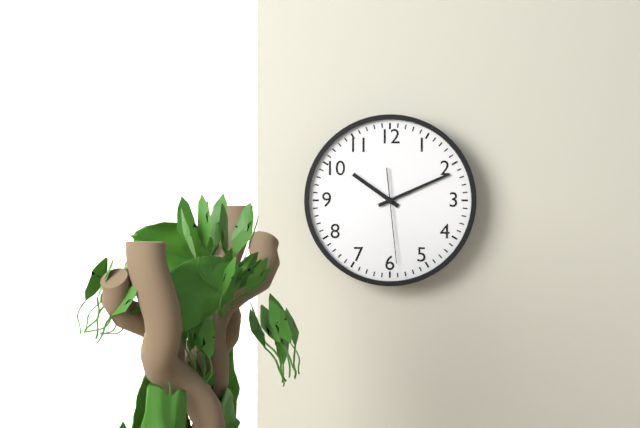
10:11:29
